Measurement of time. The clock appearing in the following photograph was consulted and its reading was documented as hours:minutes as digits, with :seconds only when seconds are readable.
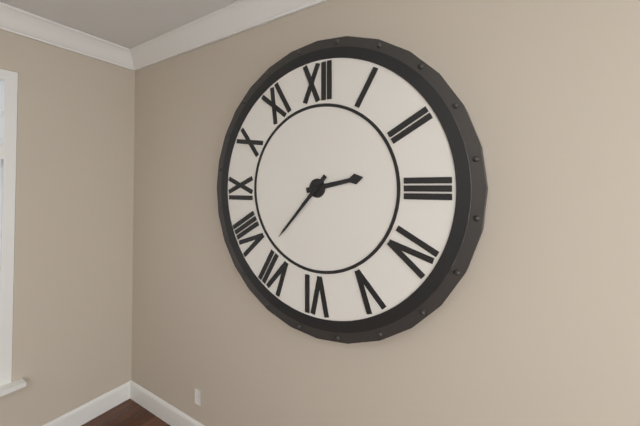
2:37
